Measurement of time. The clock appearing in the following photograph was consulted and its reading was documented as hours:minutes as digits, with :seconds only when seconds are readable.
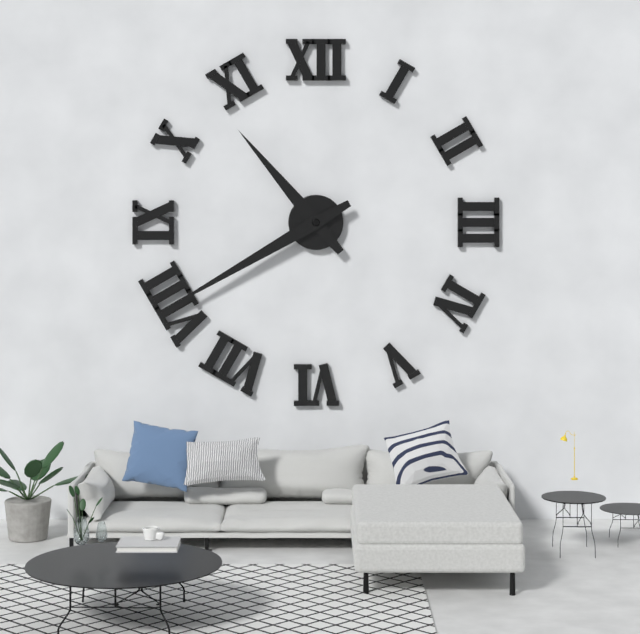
10:40
